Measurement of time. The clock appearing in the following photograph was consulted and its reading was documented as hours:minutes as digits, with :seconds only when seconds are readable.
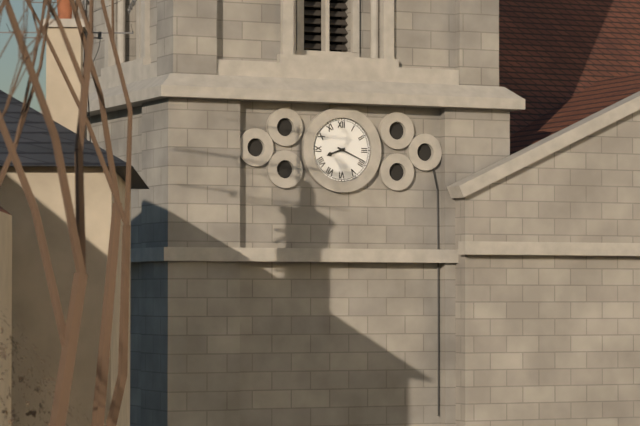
8:19
